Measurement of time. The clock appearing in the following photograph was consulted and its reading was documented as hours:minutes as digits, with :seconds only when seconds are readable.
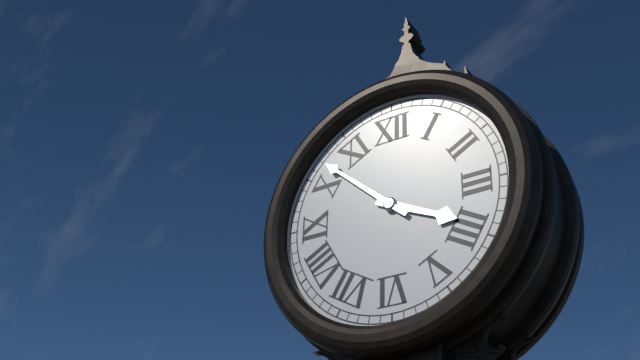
3:52
